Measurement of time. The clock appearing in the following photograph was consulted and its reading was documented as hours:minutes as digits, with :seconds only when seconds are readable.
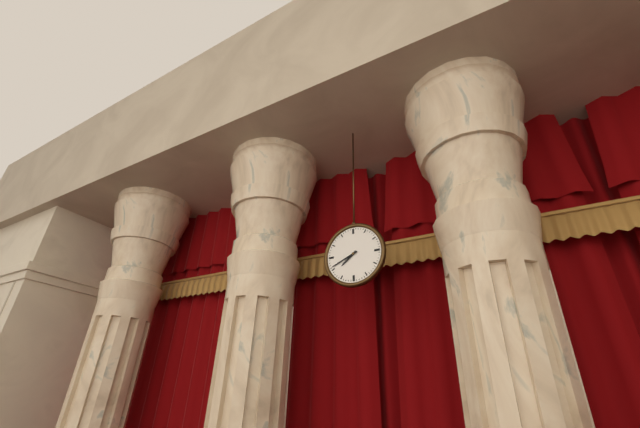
7:41
